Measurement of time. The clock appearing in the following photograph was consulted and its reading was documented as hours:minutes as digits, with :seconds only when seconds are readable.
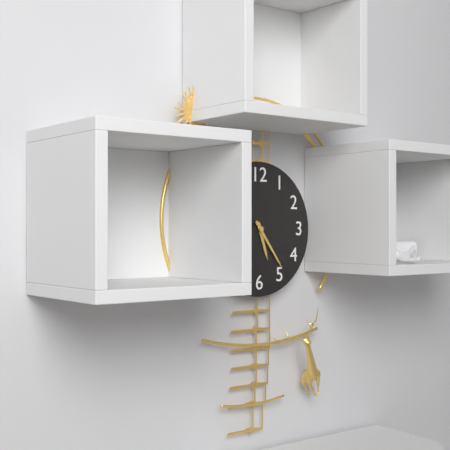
5:24
